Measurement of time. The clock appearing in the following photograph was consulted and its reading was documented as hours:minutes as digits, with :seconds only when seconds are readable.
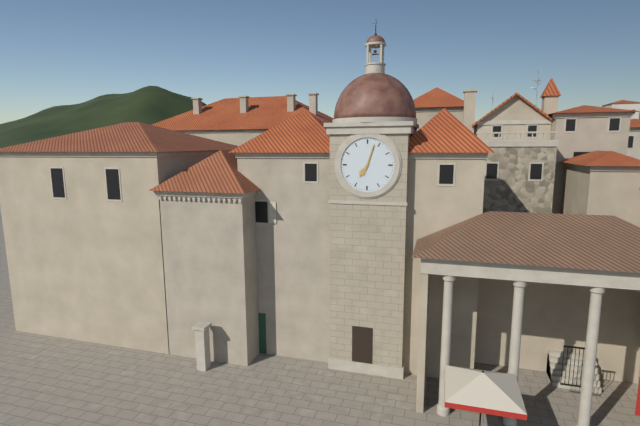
7:03
